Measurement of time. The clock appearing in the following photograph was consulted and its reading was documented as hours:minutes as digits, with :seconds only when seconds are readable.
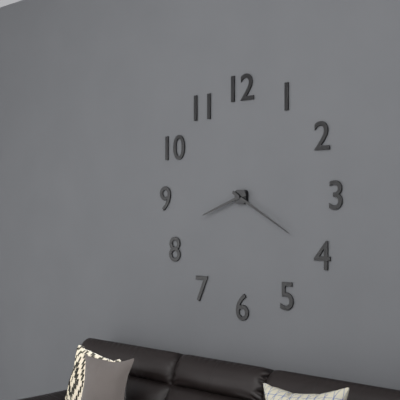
8:20
